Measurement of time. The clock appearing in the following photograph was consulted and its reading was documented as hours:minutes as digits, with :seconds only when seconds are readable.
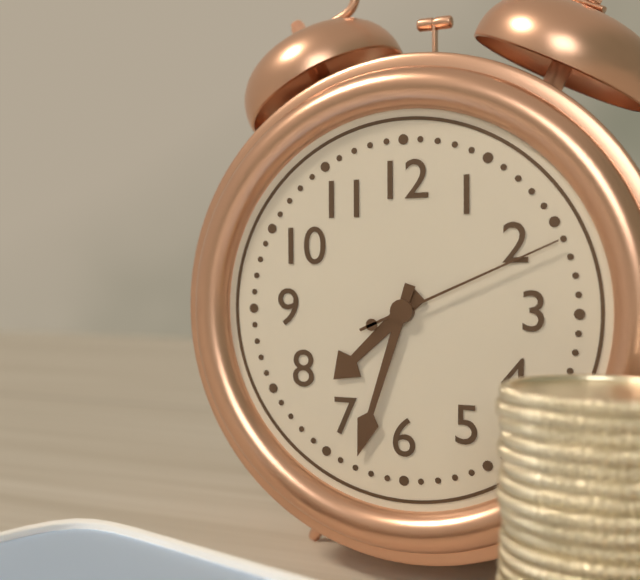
7:33:11
